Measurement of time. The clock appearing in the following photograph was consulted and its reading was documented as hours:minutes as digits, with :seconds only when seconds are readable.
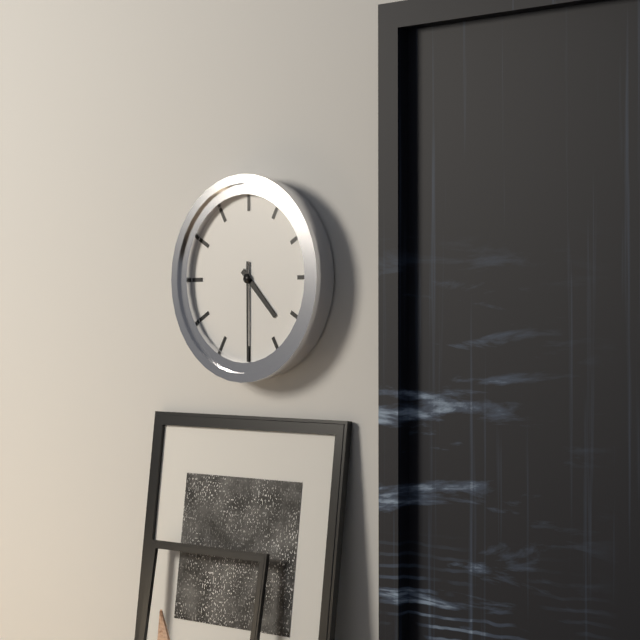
4:30
